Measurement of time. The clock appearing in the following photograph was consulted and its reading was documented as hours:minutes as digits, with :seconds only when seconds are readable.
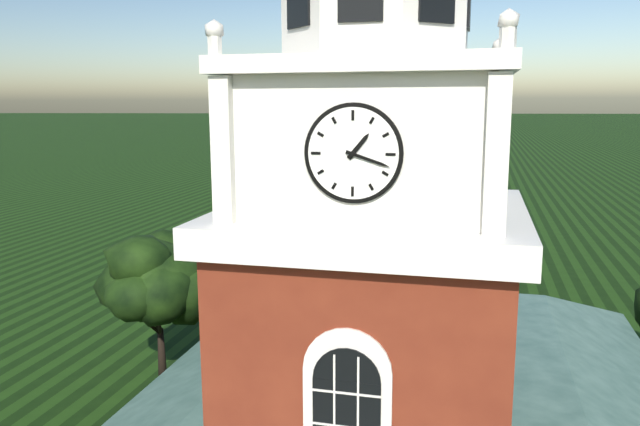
1:18
